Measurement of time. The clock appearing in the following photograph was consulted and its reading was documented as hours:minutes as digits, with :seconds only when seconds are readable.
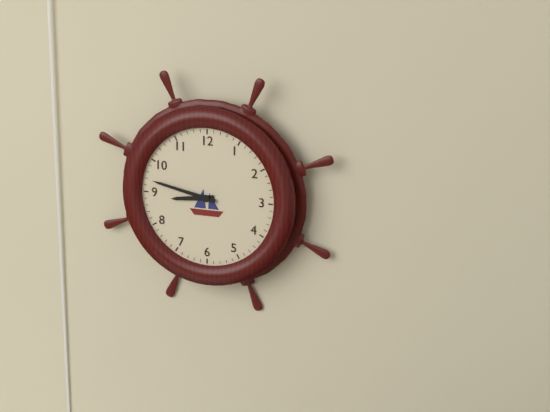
8:47
